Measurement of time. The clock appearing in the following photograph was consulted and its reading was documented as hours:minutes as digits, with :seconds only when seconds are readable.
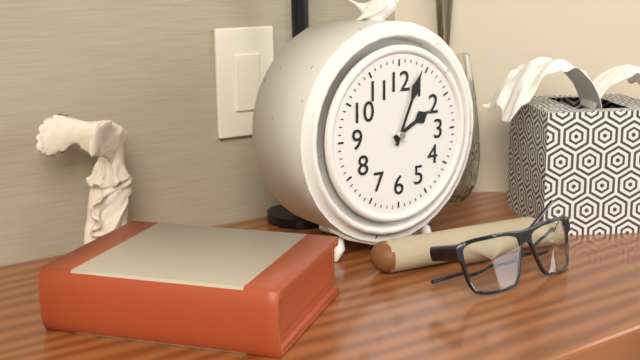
2:04
